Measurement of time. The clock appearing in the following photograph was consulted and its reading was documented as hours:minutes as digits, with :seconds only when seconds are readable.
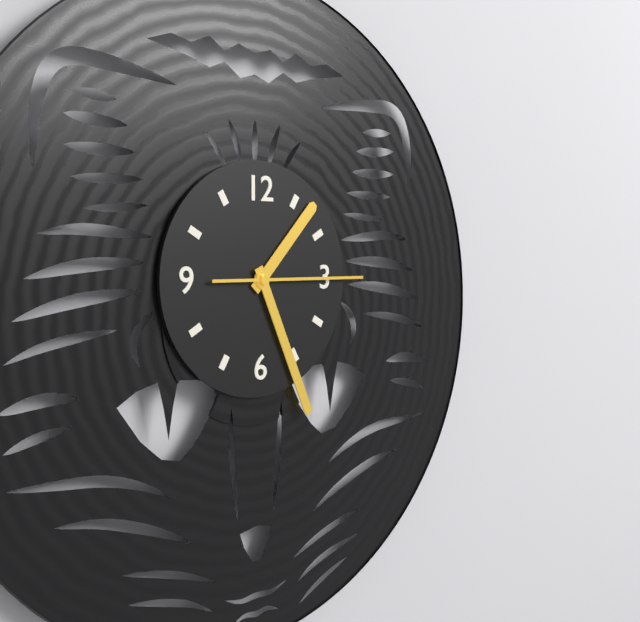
1:26:15
